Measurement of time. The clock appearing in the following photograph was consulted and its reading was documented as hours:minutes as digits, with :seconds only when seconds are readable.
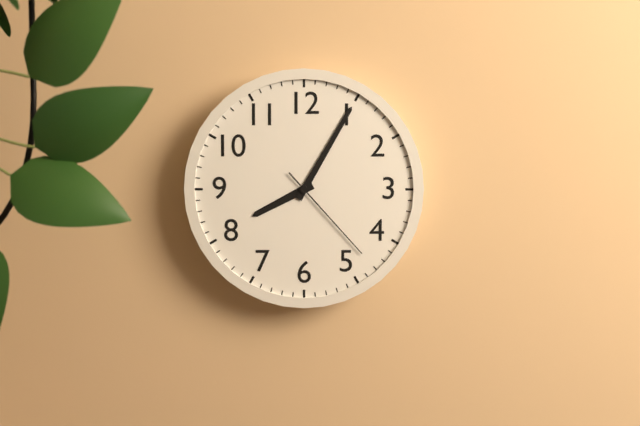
8:05:23
